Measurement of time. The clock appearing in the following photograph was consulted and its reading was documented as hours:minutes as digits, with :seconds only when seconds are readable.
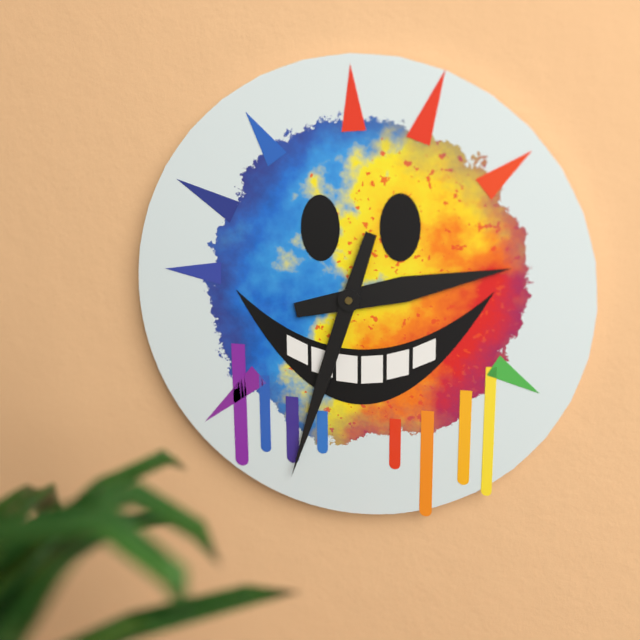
2:33
